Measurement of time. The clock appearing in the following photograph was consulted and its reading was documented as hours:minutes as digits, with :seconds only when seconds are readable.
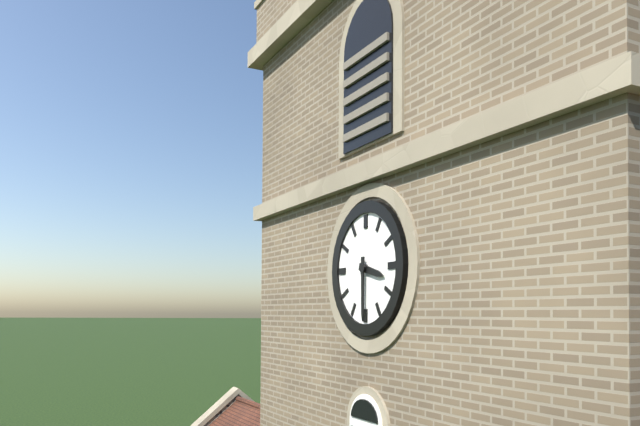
3:30
